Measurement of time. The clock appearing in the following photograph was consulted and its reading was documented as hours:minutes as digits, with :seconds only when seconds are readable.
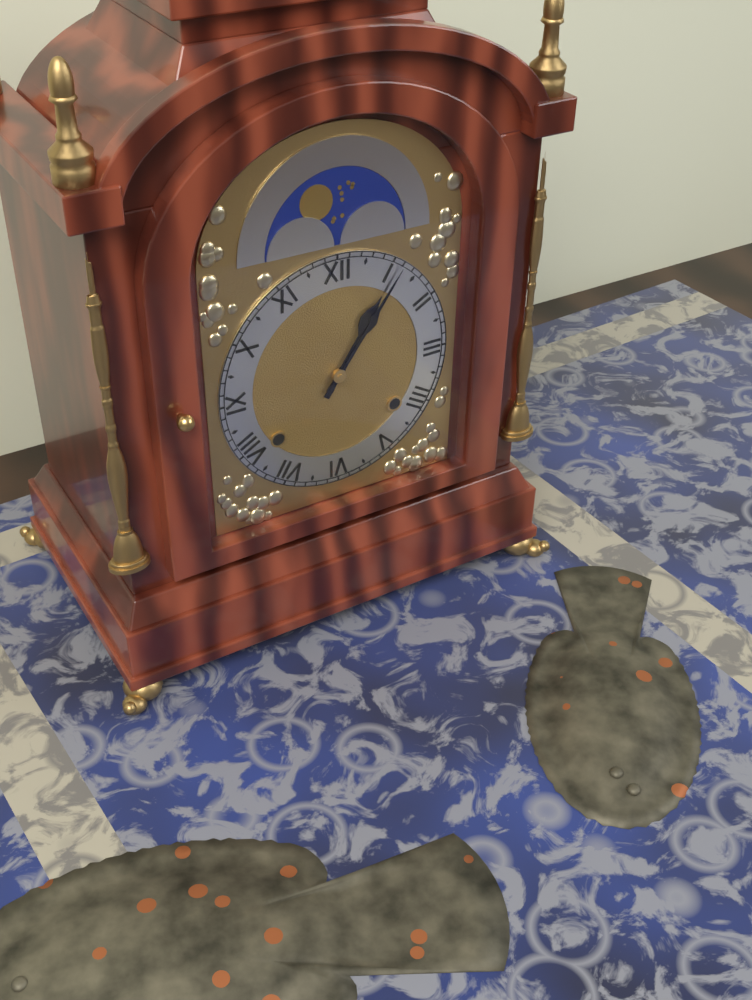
1:06
